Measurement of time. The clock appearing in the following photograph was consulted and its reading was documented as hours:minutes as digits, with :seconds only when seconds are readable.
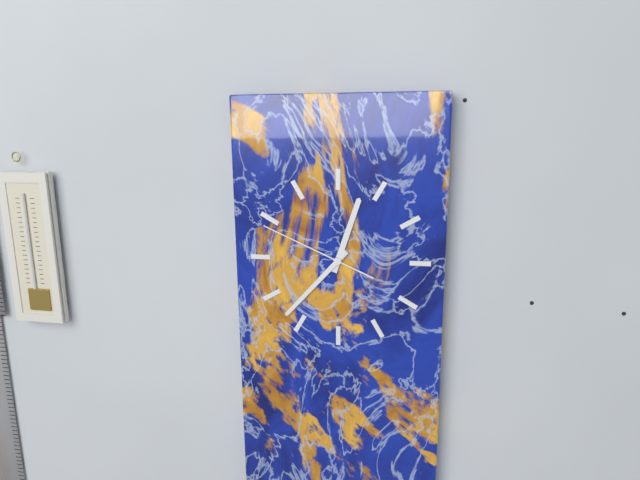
12:37:49
